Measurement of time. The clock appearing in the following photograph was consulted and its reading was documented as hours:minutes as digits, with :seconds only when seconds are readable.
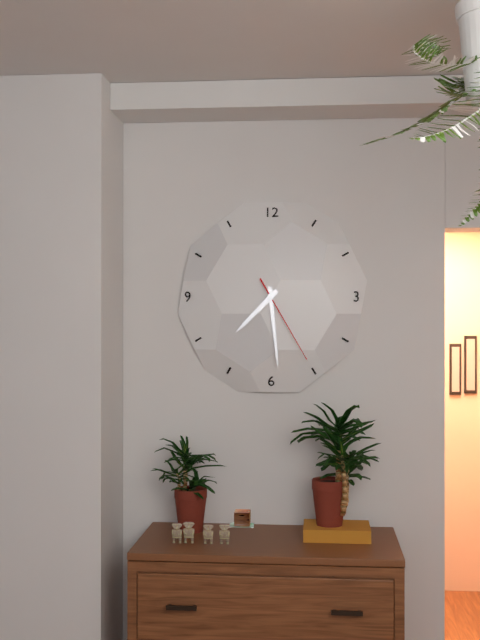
7:29:25
